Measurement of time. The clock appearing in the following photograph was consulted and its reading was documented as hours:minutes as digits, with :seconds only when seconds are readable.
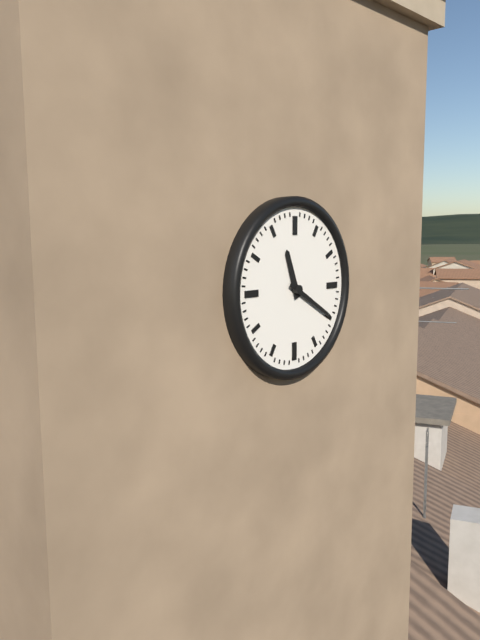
11:20
